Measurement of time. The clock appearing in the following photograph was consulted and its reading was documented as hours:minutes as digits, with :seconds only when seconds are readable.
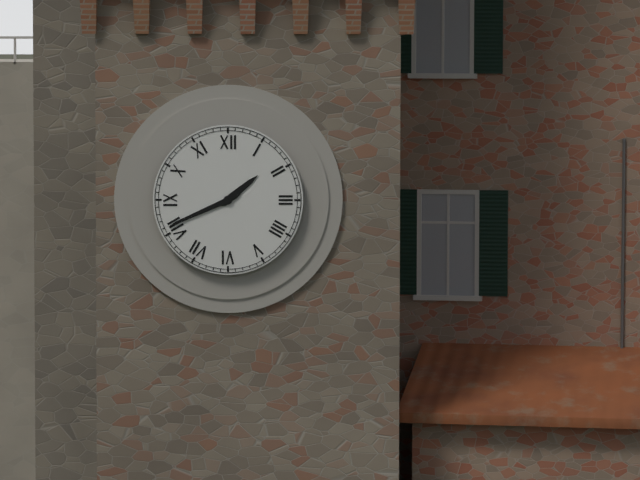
1:41
